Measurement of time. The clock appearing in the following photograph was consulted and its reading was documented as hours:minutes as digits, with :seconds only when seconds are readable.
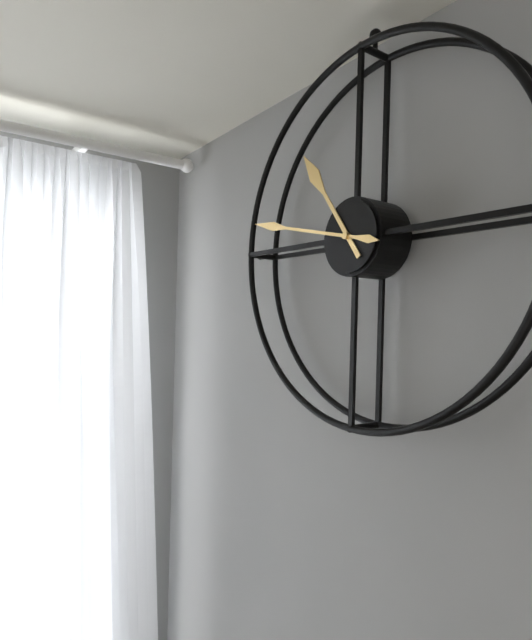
10:47
